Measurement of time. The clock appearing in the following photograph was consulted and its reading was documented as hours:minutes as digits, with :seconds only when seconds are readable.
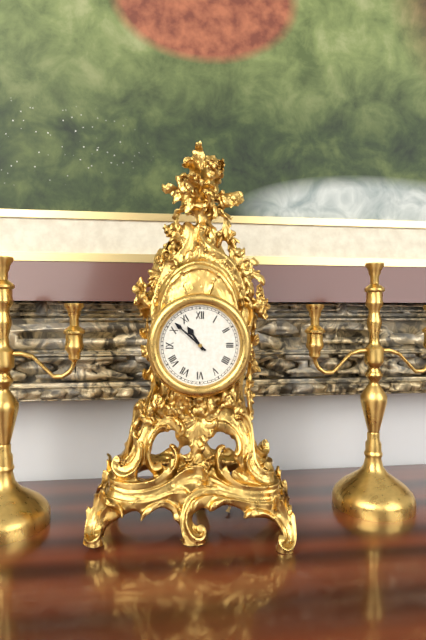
10:52
